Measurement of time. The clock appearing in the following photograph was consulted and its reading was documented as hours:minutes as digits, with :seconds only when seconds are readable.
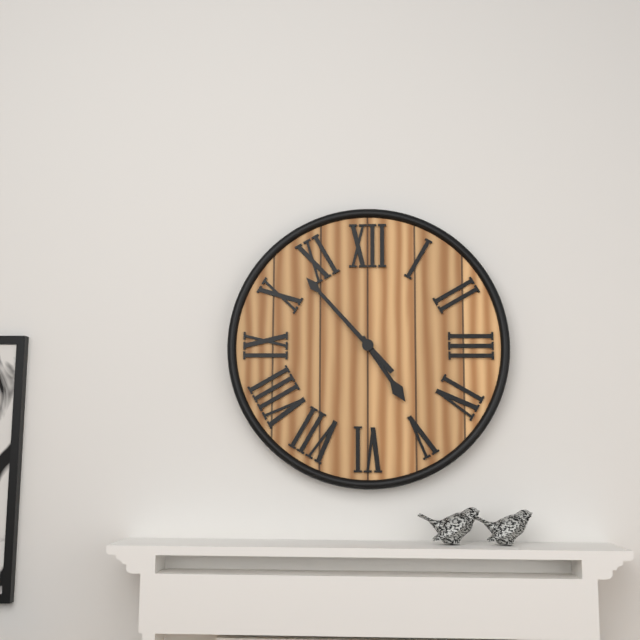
4:53
